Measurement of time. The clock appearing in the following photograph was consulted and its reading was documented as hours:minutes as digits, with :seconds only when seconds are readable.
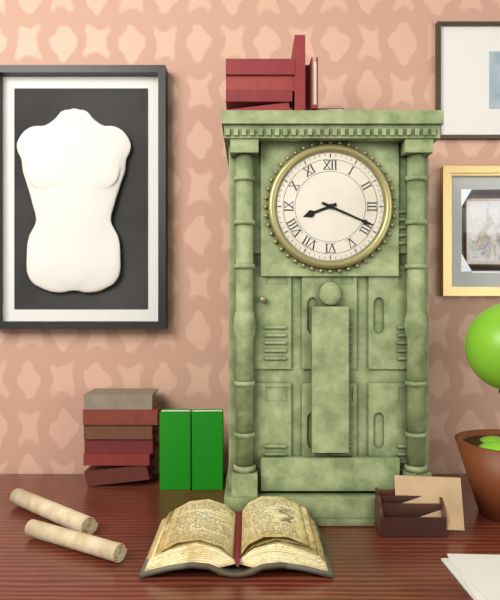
8:19
